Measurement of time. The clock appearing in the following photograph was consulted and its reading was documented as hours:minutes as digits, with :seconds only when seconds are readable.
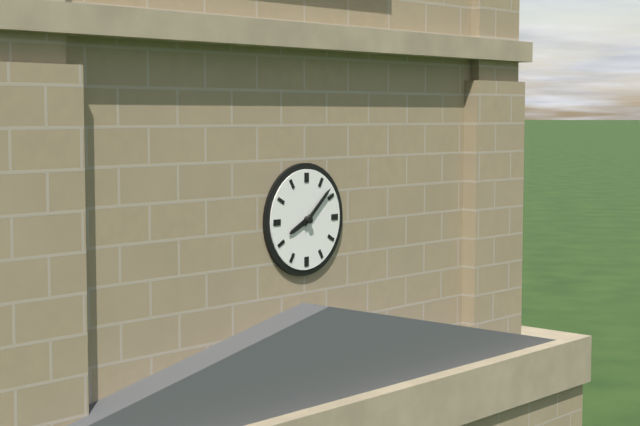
8:08
